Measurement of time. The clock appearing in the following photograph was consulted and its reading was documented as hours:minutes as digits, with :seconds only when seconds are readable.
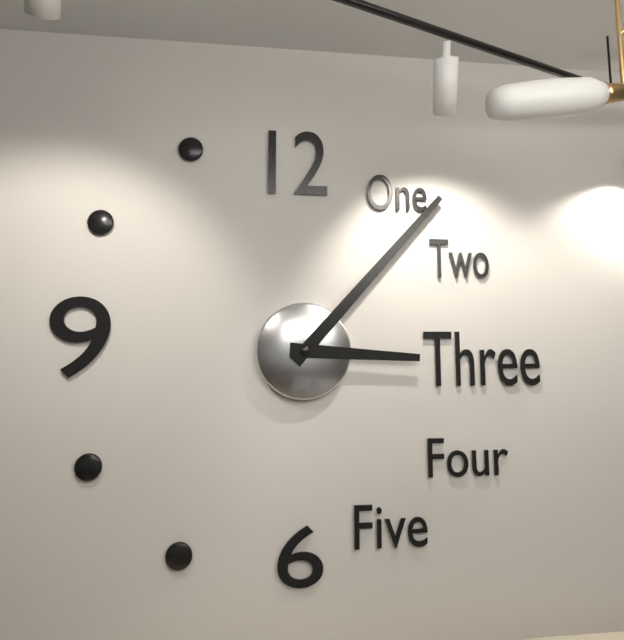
3:07
